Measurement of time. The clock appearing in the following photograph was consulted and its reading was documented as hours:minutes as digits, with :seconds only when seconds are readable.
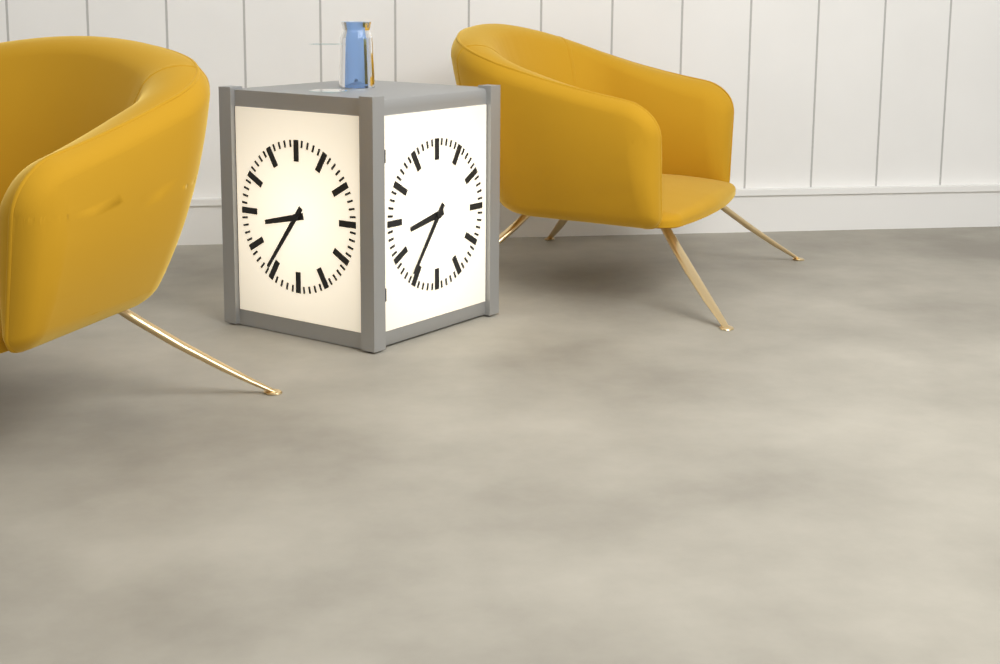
8:36
